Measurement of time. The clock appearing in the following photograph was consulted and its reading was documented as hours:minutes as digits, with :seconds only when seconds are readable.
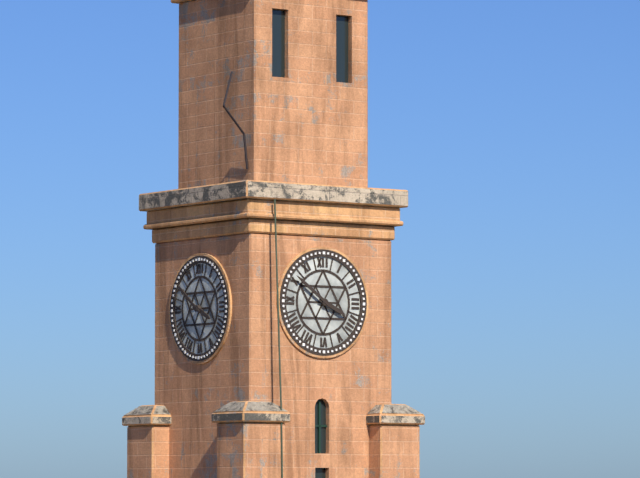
3:51
